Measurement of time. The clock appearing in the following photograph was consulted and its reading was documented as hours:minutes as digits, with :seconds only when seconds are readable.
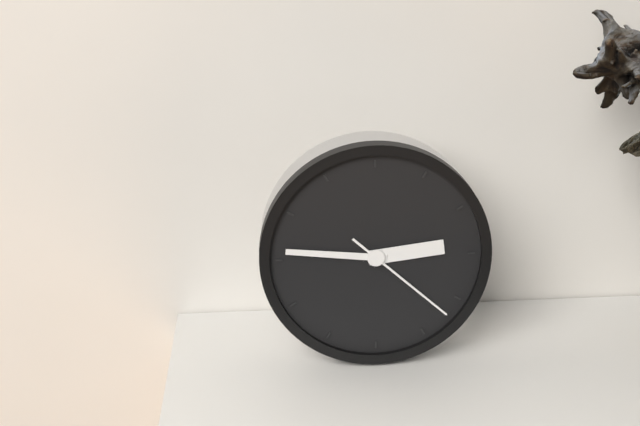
2:46:22
